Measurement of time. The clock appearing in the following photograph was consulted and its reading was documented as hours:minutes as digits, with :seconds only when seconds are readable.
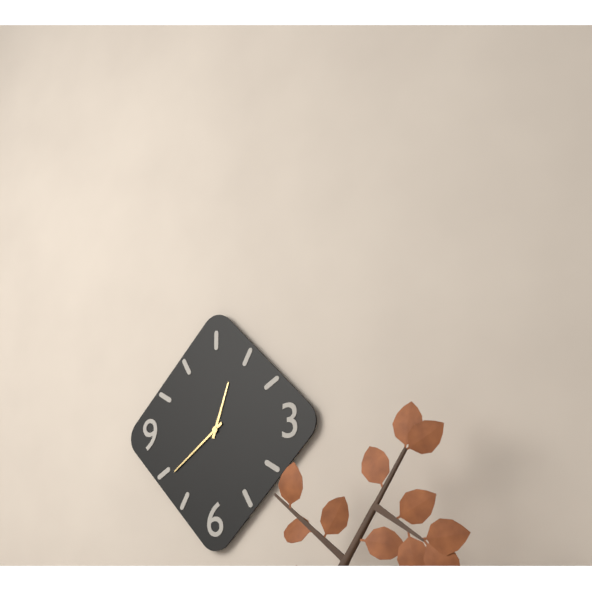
12:39
